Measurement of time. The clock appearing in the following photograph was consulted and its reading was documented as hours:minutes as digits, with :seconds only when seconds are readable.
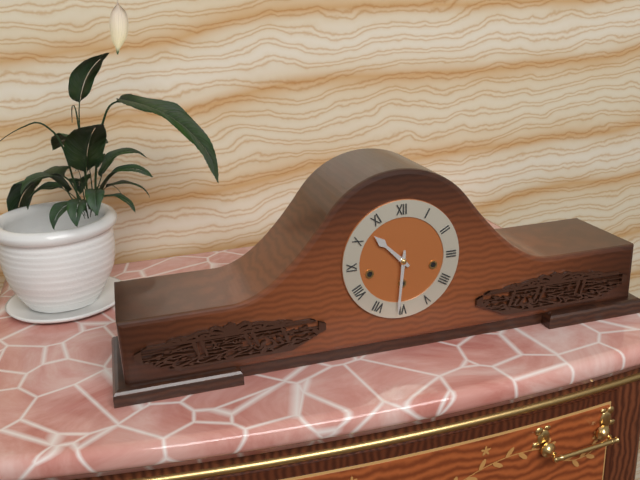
10:31
